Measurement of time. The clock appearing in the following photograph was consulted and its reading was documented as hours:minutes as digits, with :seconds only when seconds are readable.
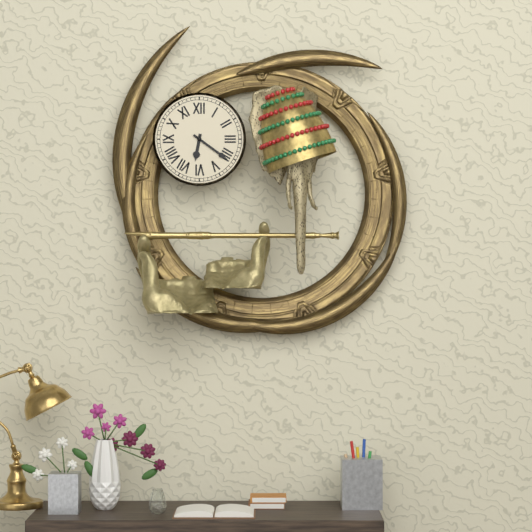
6:21
